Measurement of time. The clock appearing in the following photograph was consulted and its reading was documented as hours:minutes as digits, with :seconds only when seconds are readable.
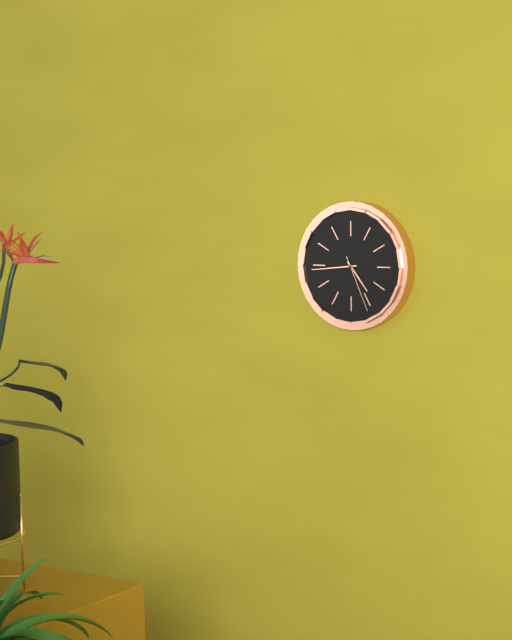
4:44:26
